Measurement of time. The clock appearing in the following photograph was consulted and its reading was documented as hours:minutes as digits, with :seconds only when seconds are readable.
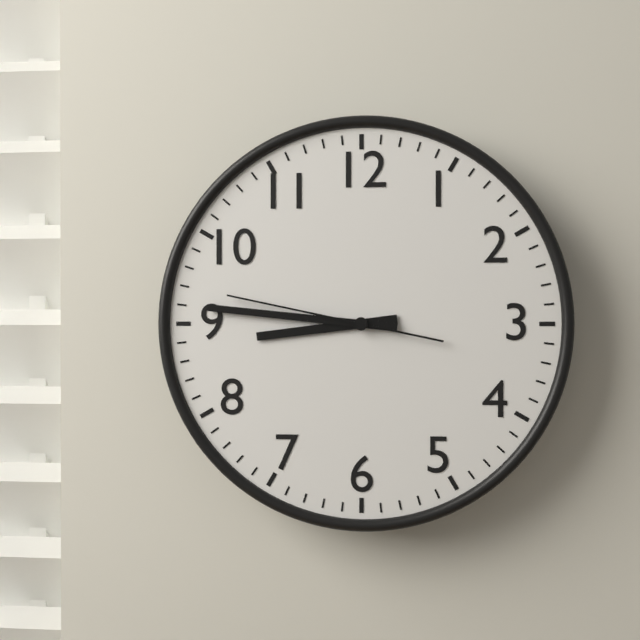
8:46:47
